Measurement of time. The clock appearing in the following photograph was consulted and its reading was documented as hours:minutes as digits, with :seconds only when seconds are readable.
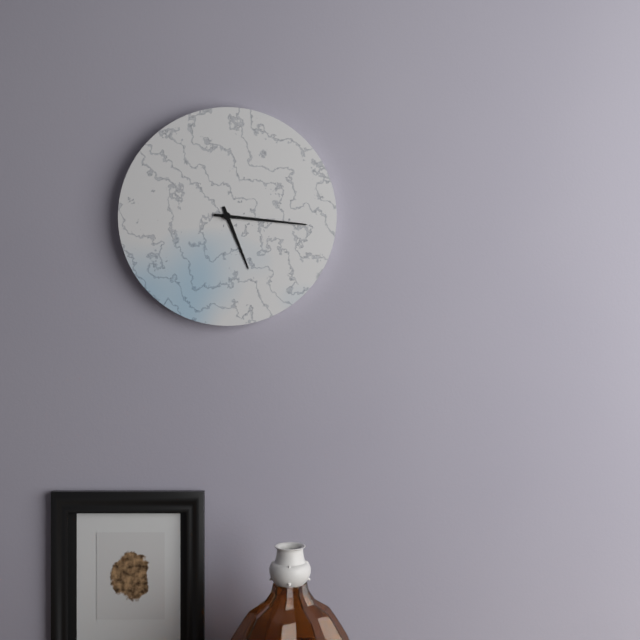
5:16
